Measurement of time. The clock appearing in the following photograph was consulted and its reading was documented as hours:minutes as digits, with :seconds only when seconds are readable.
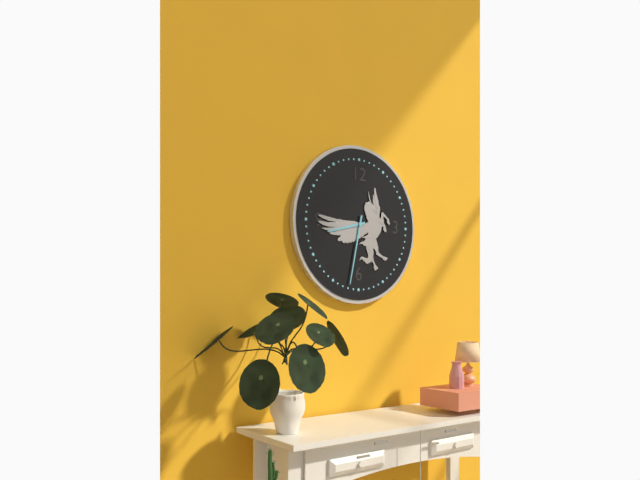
8:32
